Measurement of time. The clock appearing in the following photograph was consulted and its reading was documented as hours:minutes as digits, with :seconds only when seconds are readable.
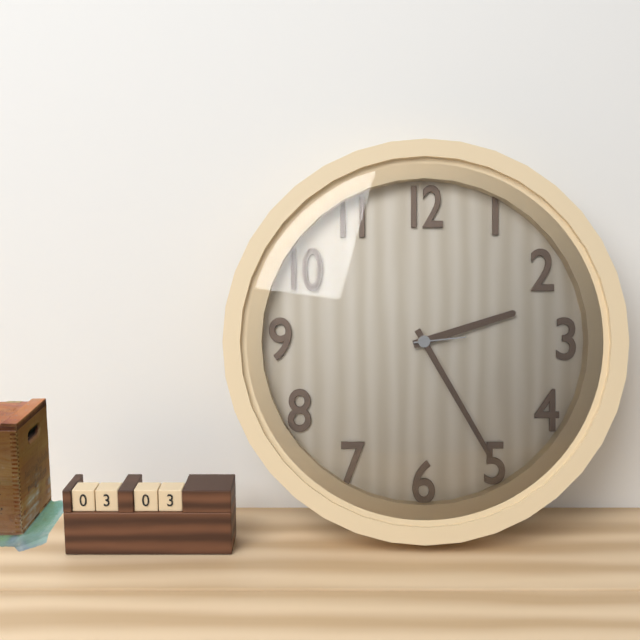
2:25:14
